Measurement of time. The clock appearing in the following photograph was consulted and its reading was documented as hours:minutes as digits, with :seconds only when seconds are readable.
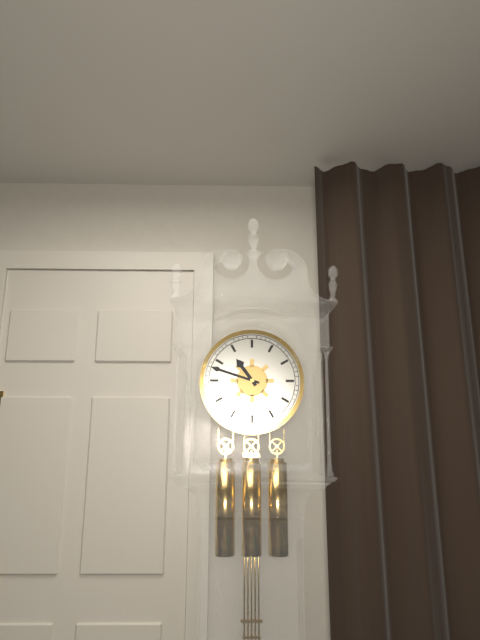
10:48
